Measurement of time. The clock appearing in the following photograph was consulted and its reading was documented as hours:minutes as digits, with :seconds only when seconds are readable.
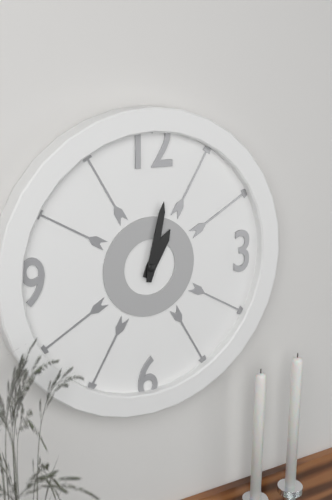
1:02
